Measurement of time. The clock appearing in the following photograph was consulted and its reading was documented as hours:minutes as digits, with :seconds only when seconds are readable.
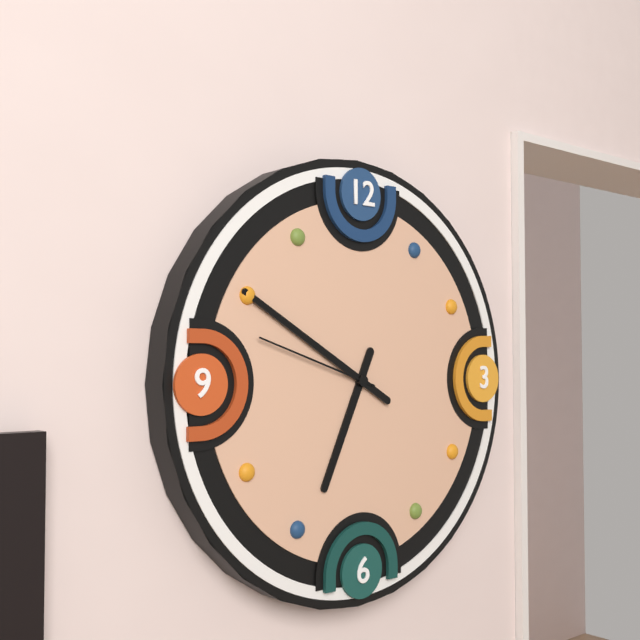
6:50:48
